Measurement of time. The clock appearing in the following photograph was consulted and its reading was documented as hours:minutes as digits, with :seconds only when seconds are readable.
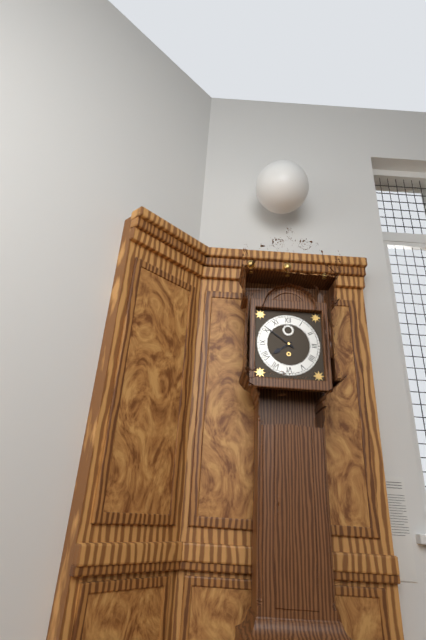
7:51
